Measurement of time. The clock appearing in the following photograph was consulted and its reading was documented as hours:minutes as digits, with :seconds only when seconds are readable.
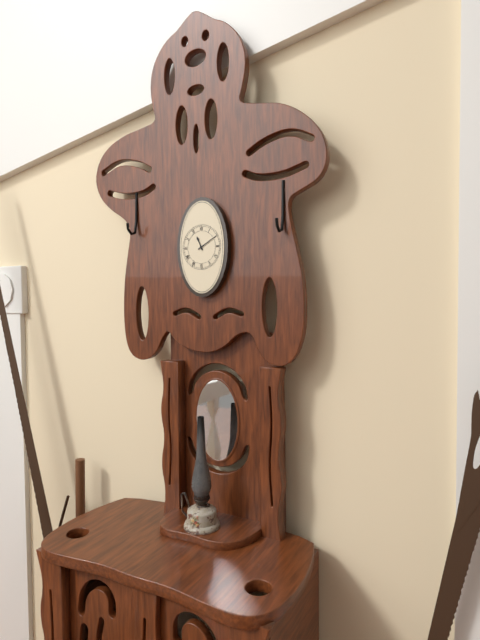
11:10
